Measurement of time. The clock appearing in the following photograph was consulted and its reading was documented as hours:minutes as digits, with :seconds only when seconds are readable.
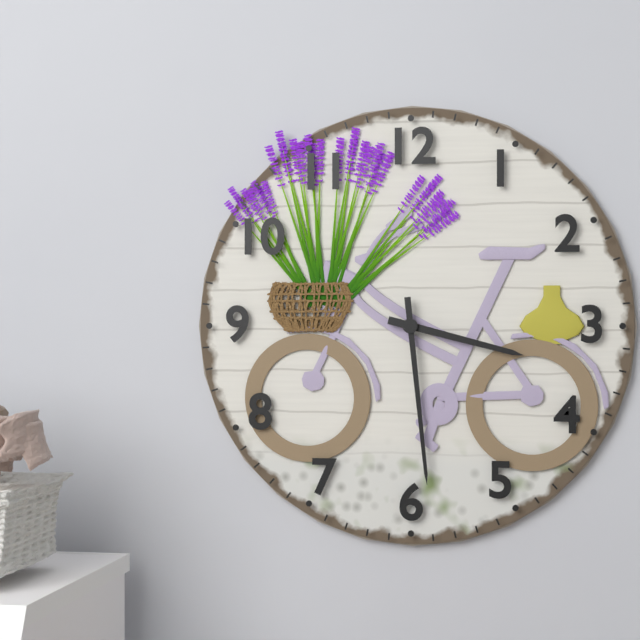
3:29
